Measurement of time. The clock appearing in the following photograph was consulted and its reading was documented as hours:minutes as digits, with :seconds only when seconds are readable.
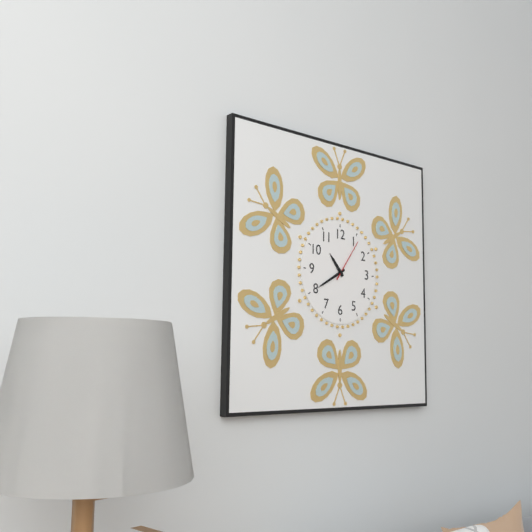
10:40
